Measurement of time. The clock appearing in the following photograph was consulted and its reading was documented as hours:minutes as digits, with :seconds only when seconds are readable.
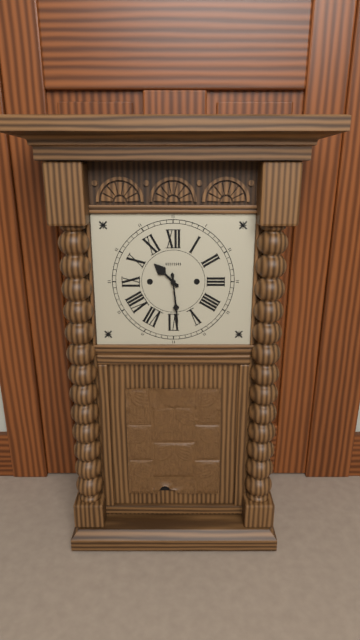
10:29
